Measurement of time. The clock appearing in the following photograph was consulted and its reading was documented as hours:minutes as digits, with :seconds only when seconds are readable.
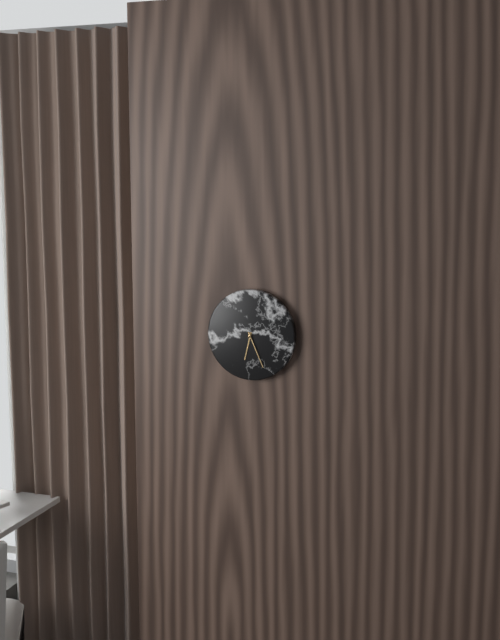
6:26
